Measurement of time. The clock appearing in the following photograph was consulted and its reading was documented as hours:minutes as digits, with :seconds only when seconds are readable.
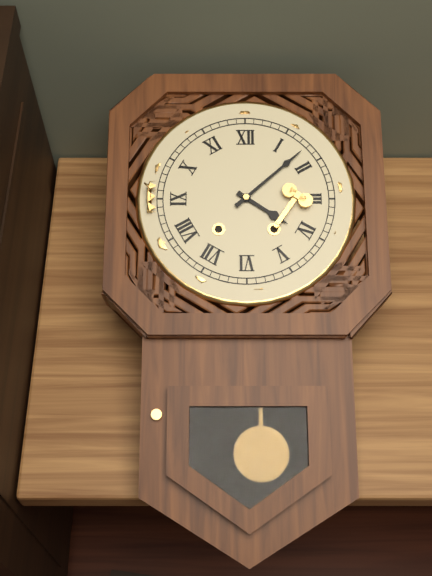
4:08
